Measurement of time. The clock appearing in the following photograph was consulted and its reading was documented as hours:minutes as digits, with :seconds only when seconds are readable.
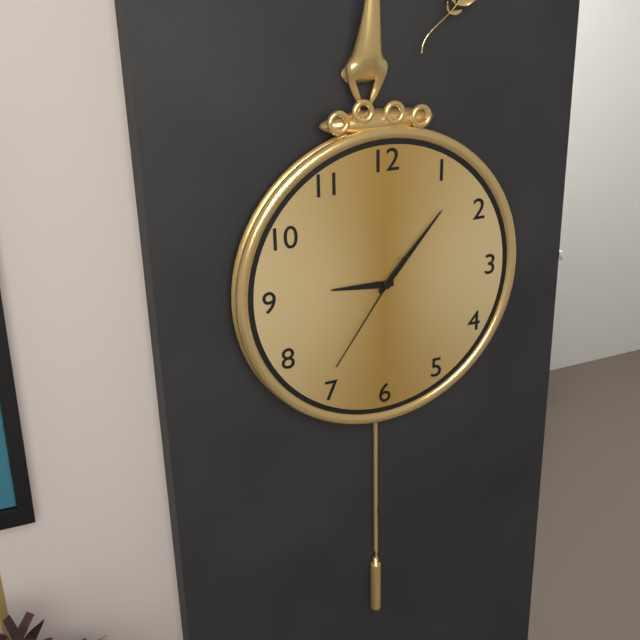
9:07:36
